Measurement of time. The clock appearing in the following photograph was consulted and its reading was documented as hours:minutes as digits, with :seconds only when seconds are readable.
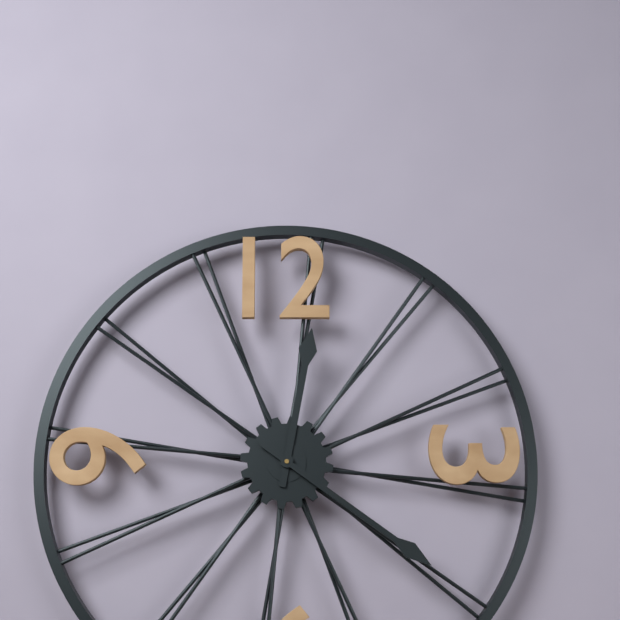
12:21
